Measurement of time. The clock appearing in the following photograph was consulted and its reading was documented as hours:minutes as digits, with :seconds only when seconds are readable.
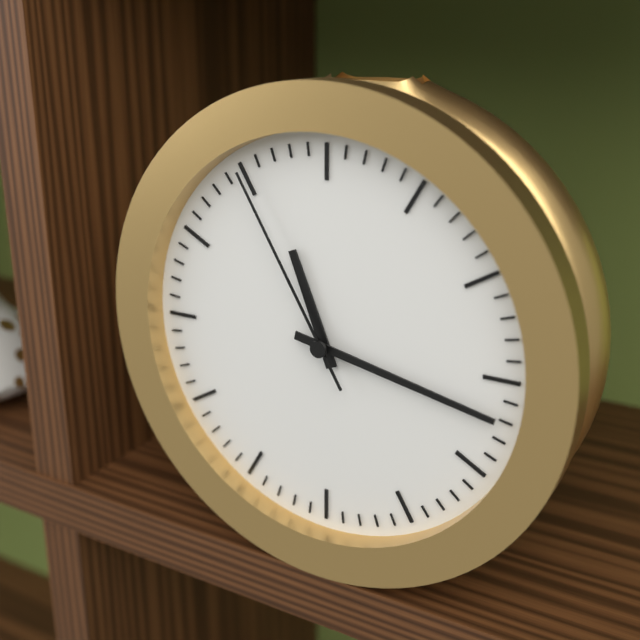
11:17:55
